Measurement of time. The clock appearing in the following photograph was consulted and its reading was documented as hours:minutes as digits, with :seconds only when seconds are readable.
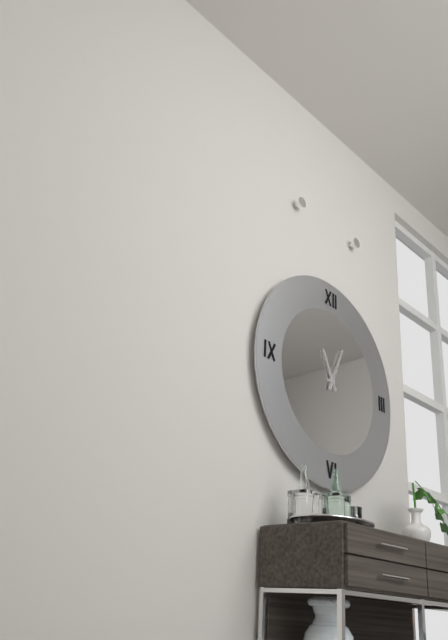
11:04
